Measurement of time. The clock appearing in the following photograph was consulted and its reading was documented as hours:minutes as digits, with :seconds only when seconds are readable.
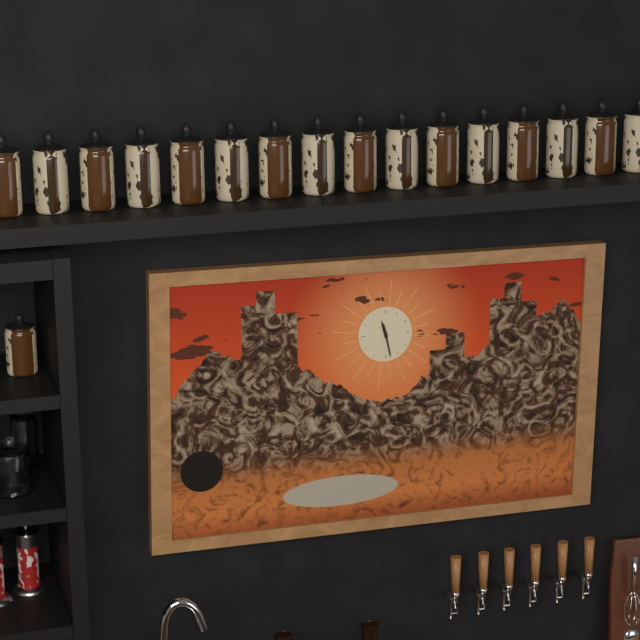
11:28
